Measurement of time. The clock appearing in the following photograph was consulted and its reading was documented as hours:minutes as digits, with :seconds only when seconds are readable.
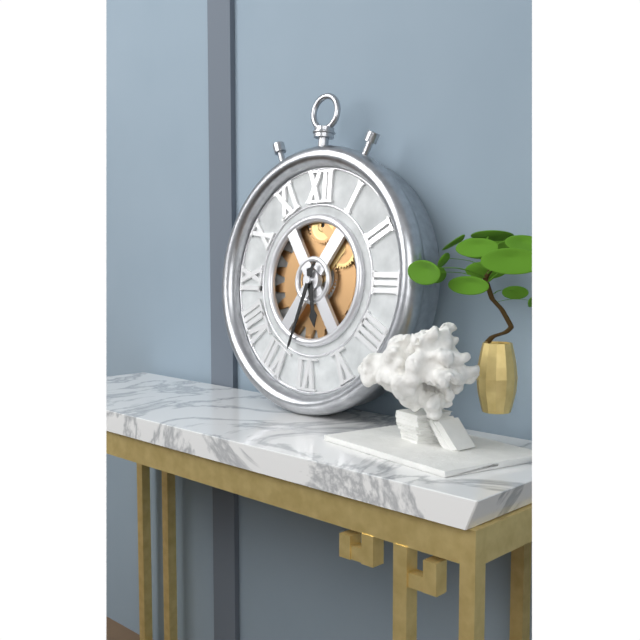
5:33
